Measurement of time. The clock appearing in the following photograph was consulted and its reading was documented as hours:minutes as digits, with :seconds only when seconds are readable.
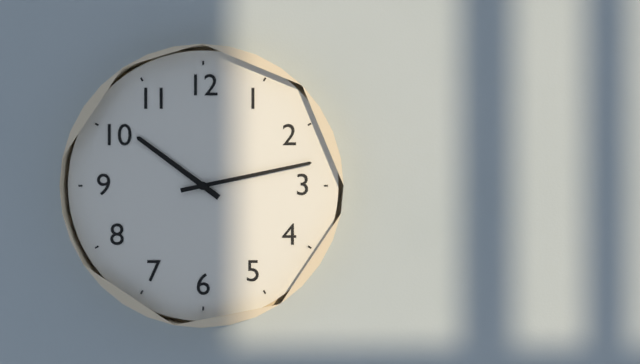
10:13
